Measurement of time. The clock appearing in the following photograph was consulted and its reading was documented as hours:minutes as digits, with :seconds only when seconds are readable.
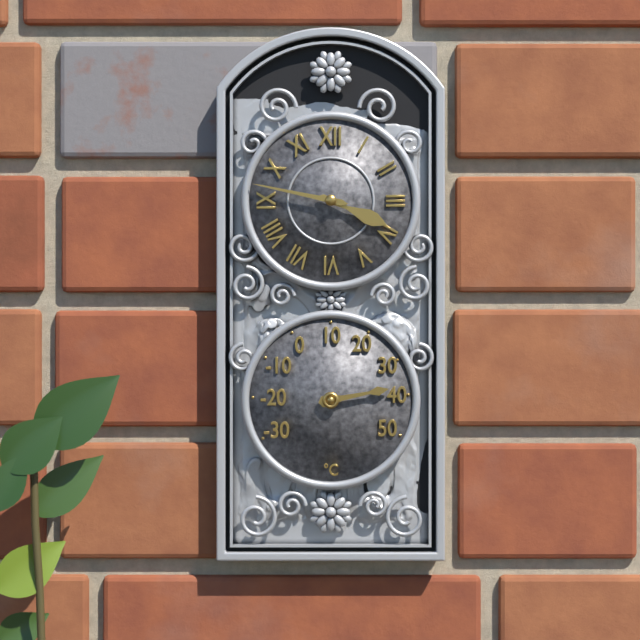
3:47
